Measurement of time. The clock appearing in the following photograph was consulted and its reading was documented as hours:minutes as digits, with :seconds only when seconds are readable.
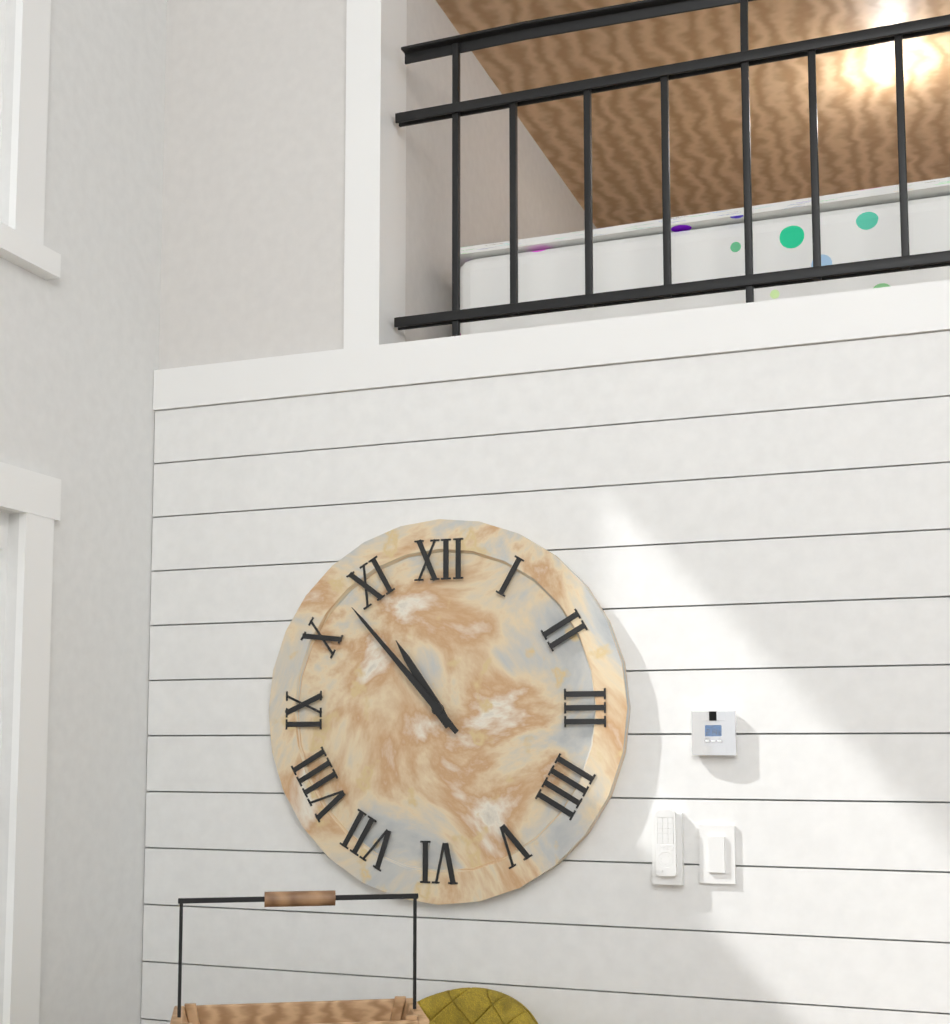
10:53
